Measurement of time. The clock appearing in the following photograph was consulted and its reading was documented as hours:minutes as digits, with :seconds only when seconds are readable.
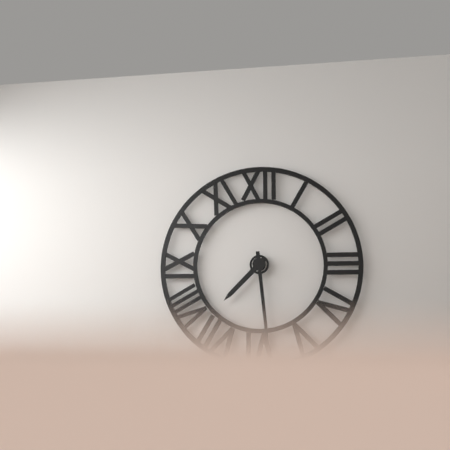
7:29
